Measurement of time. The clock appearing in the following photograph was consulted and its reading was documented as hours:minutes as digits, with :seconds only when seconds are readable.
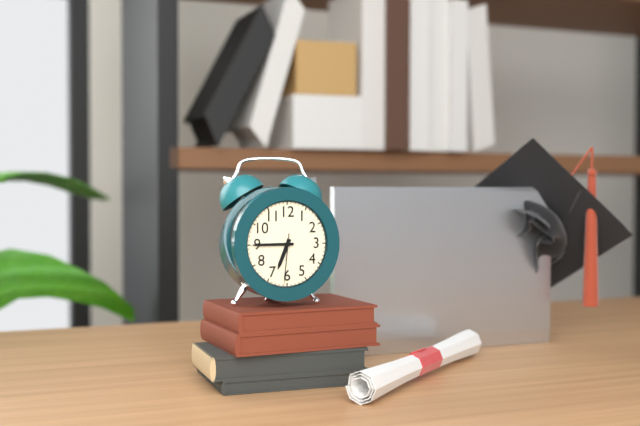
6:45:31
